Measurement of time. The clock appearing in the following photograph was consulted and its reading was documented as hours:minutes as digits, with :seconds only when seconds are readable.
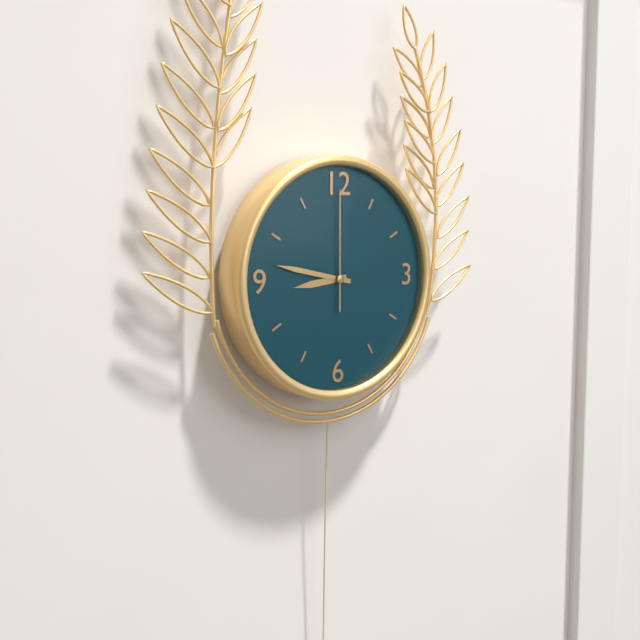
8:47:00
